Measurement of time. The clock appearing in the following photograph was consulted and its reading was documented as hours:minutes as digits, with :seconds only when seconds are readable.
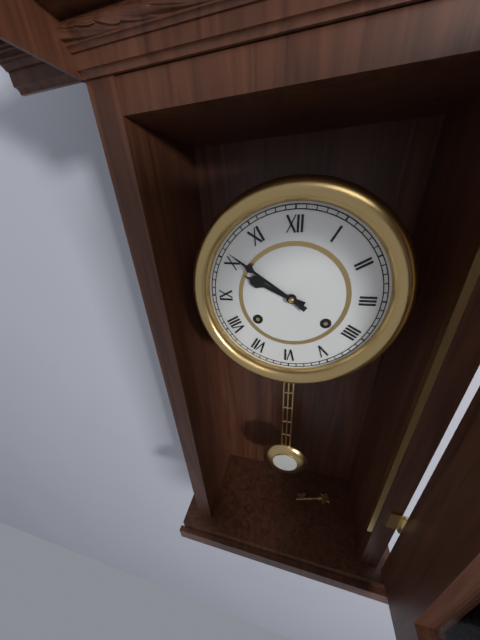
9:51
